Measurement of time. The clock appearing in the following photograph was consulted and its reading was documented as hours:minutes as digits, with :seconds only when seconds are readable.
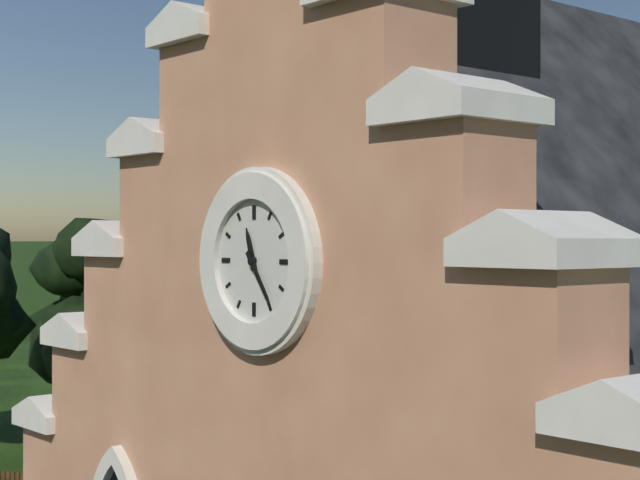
11:24
